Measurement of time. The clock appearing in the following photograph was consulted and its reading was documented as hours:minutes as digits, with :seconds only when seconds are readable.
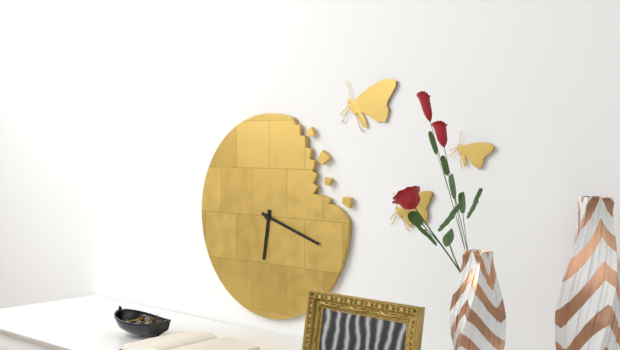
6:18
